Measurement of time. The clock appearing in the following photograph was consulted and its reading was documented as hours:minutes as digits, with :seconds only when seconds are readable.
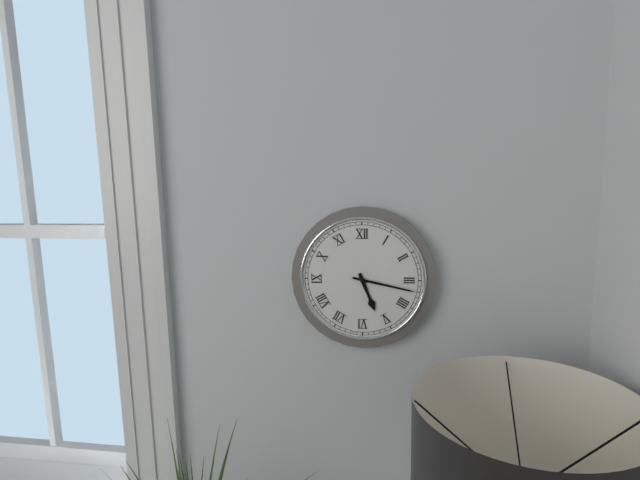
5:17
